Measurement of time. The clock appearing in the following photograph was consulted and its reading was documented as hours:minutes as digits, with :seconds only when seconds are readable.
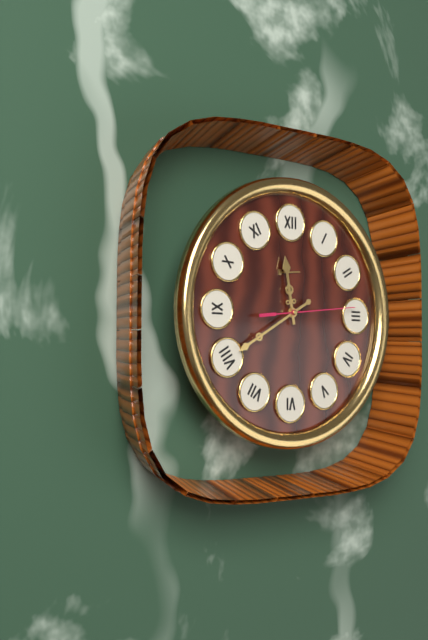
11:40:14
